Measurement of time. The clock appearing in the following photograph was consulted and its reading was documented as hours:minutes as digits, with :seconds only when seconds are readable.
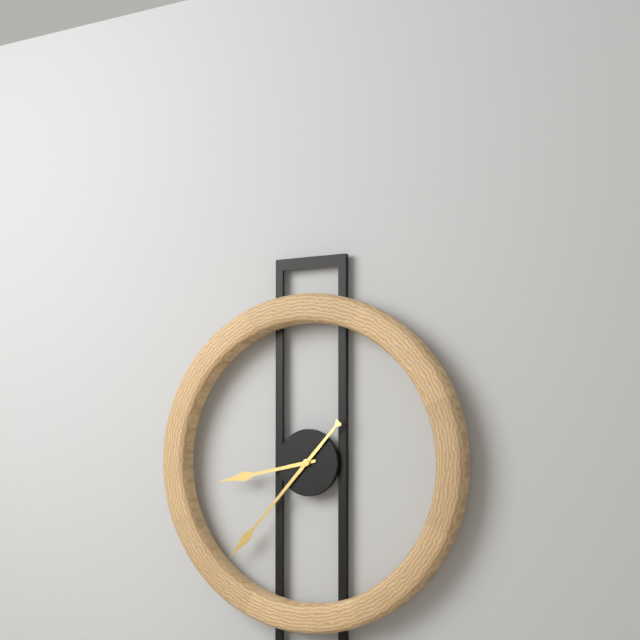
8:37
